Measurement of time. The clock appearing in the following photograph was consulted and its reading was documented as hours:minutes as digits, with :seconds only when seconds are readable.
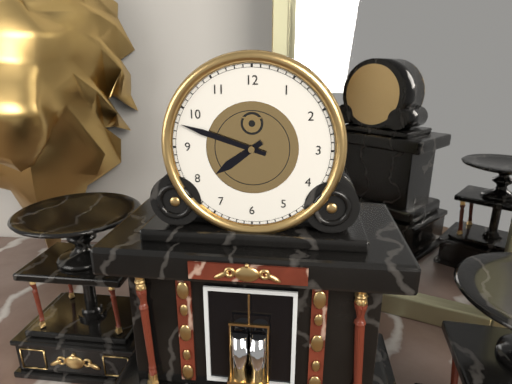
7:48
